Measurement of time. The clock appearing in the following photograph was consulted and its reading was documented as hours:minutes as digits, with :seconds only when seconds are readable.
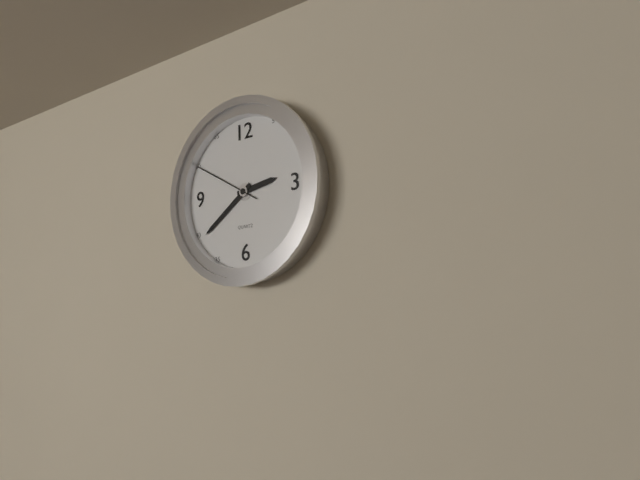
2:39:50
